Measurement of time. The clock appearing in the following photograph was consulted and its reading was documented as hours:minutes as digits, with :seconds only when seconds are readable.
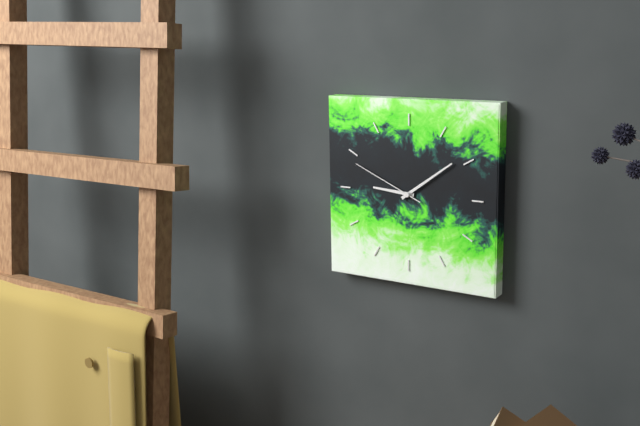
9:09:49
